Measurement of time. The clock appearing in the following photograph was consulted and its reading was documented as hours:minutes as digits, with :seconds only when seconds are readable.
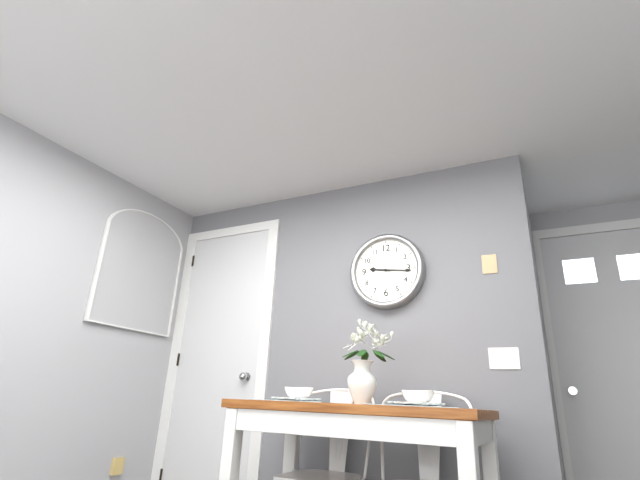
9:16
